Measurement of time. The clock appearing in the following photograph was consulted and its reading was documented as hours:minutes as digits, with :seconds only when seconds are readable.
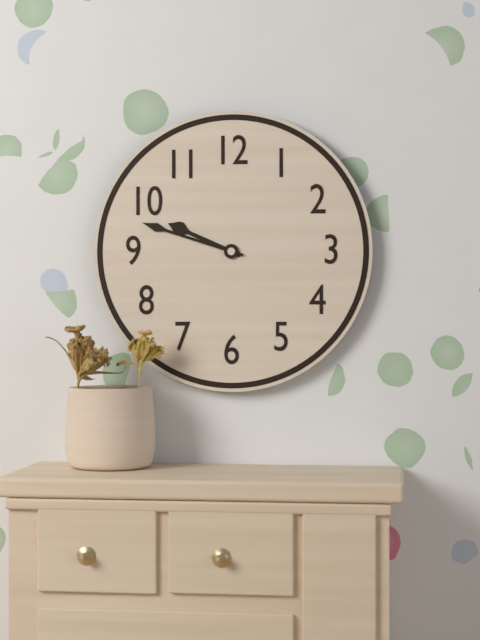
9:48
